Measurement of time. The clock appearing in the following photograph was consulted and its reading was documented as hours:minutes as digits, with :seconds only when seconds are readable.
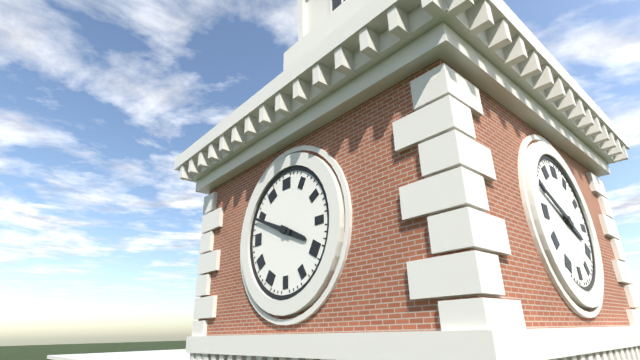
3:49
